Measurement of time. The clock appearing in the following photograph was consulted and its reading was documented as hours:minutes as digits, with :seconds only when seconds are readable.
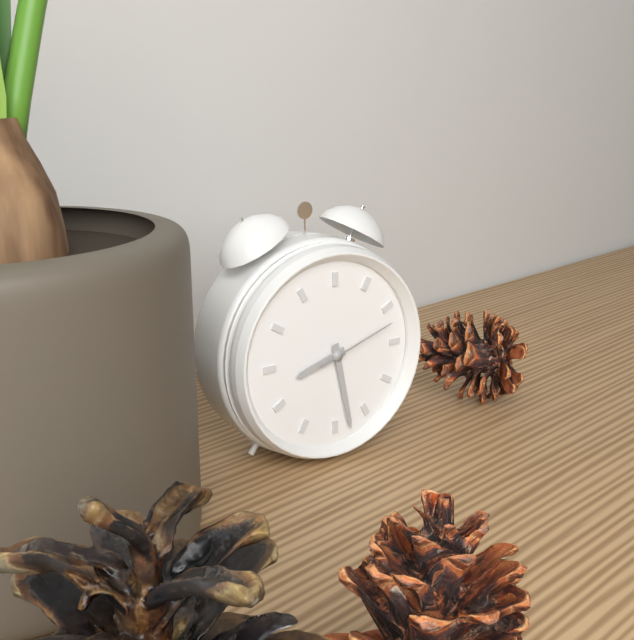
8:28:12
